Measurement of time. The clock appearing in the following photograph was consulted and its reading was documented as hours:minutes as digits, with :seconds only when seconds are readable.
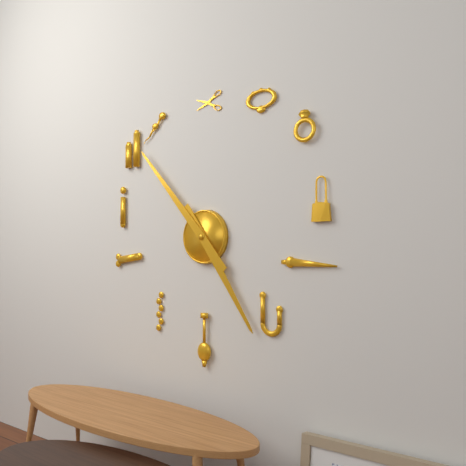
4:53
